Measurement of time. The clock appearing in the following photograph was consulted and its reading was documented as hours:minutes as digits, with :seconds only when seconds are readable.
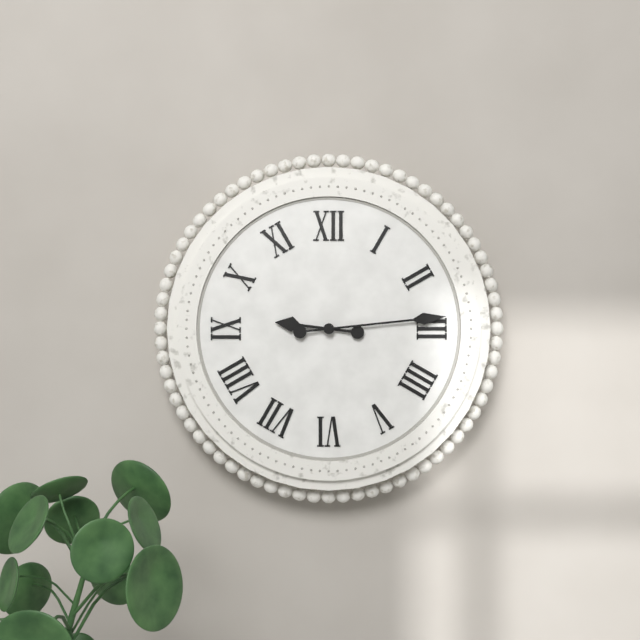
9:14
